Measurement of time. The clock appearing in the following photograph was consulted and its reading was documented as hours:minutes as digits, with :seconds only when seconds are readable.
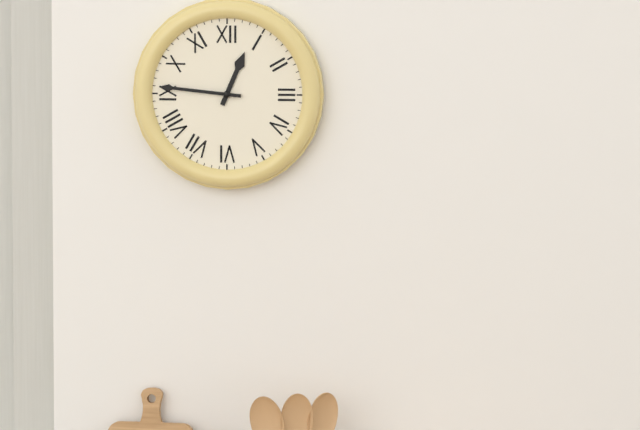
12:46
